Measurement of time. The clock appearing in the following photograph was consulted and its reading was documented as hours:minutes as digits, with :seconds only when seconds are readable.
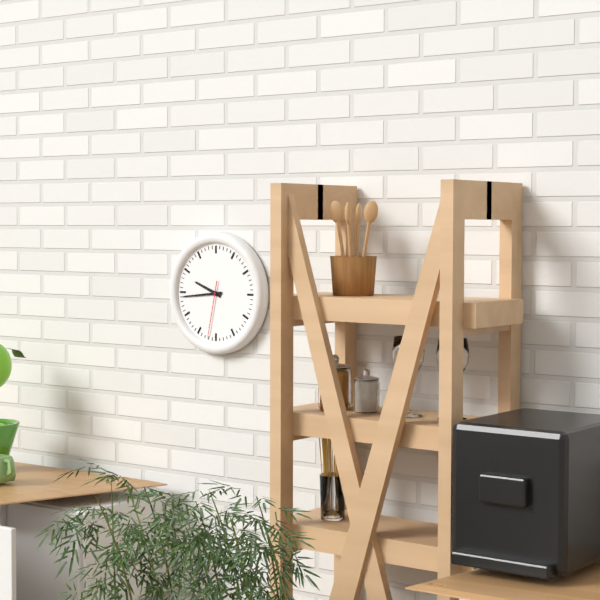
9:44:32
